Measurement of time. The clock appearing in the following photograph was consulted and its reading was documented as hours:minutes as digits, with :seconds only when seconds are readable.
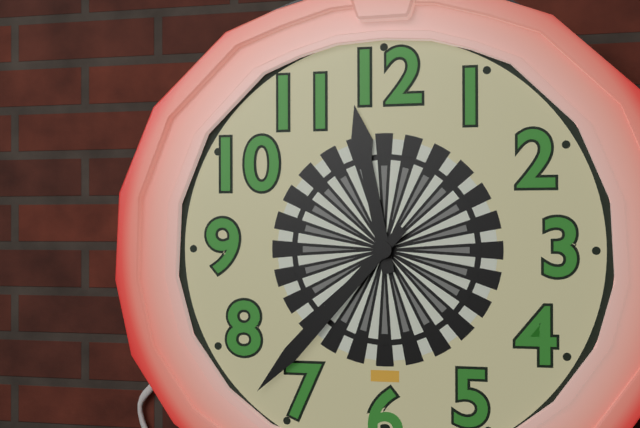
11:37
